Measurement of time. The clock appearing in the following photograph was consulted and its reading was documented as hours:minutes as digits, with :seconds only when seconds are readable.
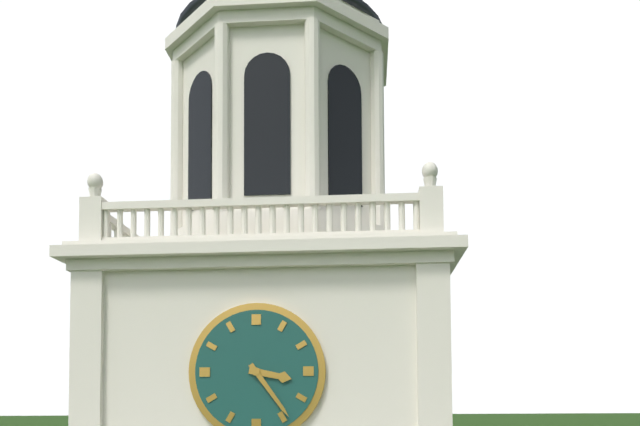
3:24
